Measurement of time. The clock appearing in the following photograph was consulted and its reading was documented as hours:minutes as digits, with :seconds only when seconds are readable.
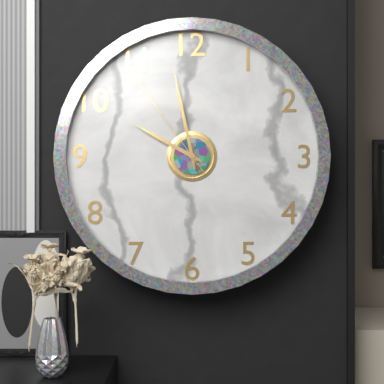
9:58:54
